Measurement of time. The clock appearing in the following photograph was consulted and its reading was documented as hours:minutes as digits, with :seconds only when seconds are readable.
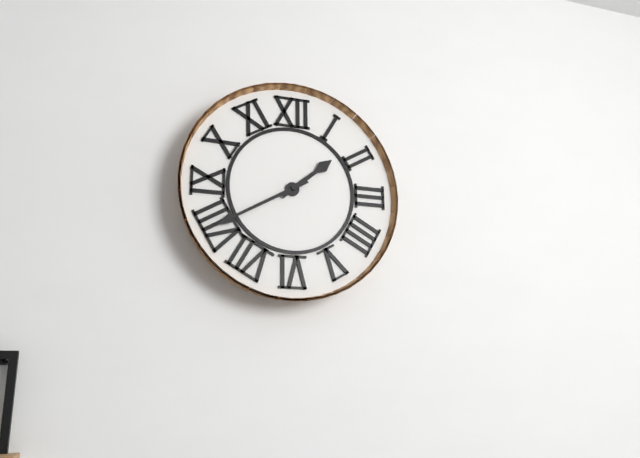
1:40
